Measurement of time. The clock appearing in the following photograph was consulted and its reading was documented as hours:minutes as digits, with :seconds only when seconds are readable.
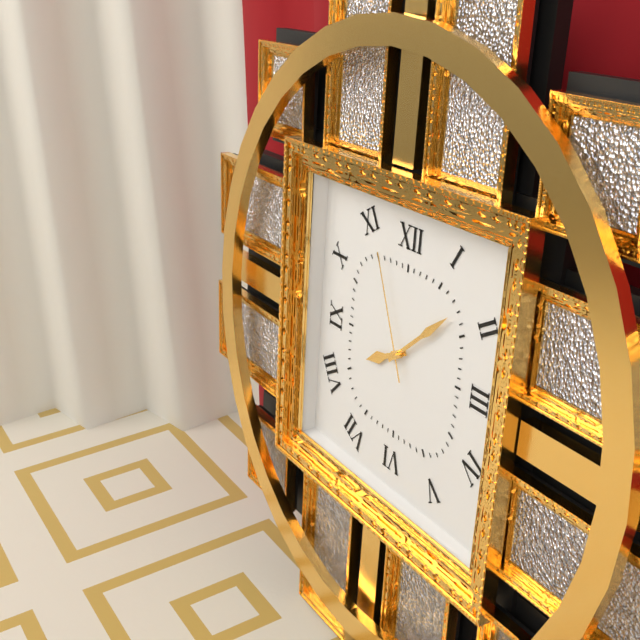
8:08:56
